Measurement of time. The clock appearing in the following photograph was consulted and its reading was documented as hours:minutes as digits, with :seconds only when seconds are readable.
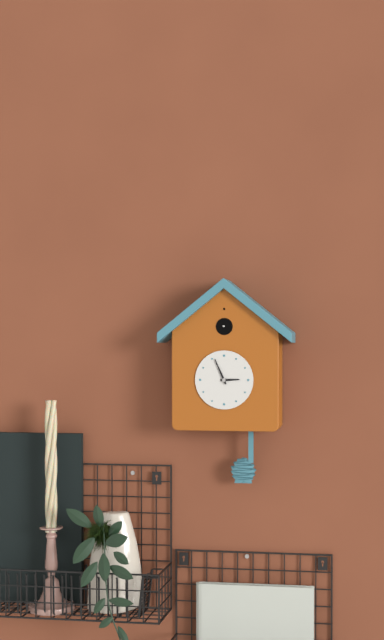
2:56
